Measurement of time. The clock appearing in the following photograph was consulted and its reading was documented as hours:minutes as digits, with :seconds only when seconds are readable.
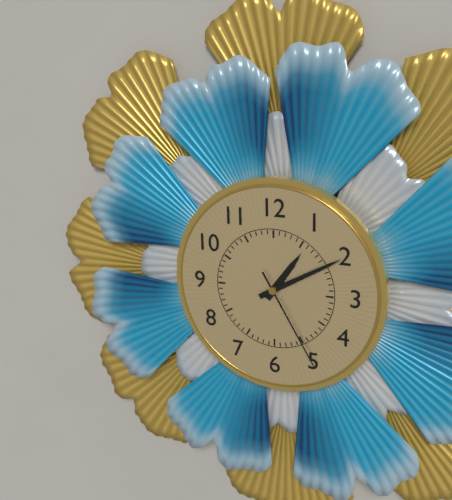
1:10:25
